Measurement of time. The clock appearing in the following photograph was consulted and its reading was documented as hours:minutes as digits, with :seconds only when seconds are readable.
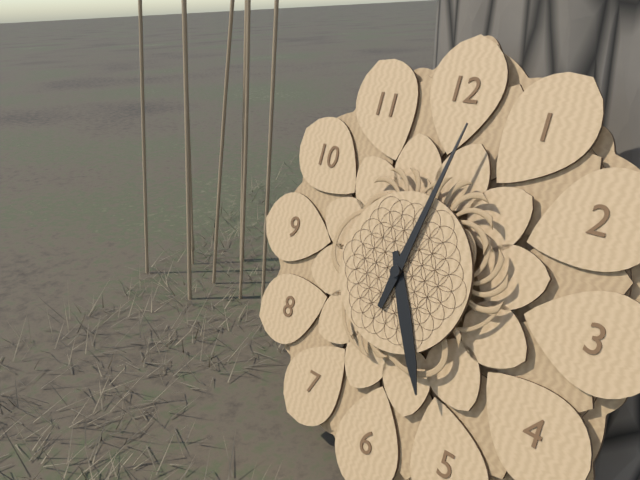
5:02
